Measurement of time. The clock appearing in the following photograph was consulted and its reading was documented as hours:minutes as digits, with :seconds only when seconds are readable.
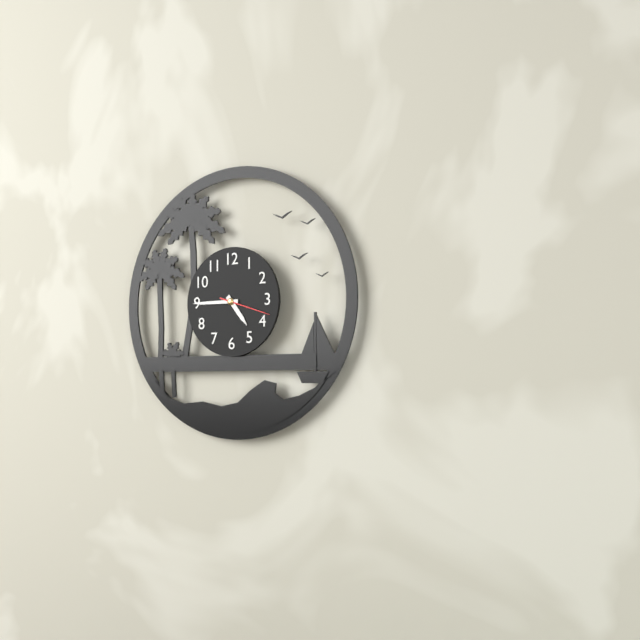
4:45:18
